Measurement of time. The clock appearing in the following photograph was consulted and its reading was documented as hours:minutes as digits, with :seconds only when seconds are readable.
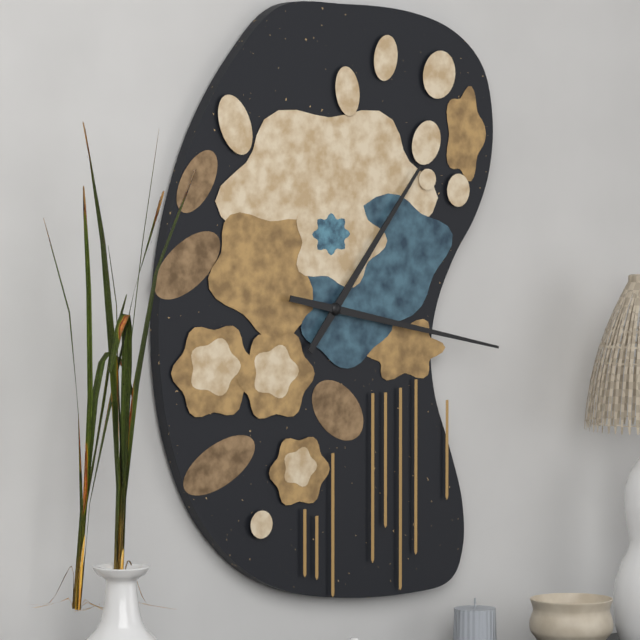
1:17
